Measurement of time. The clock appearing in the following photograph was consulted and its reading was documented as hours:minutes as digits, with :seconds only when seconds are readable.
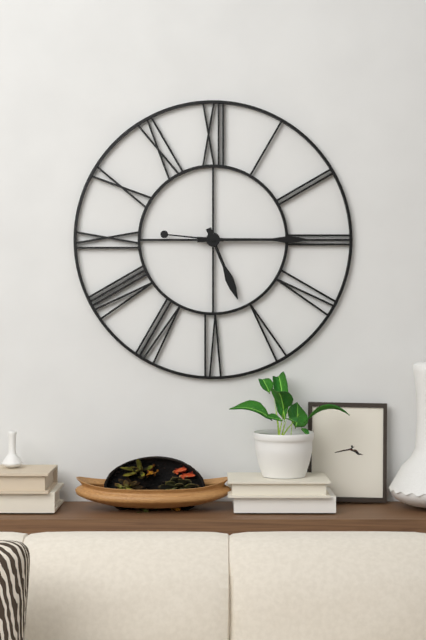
5:15:46
